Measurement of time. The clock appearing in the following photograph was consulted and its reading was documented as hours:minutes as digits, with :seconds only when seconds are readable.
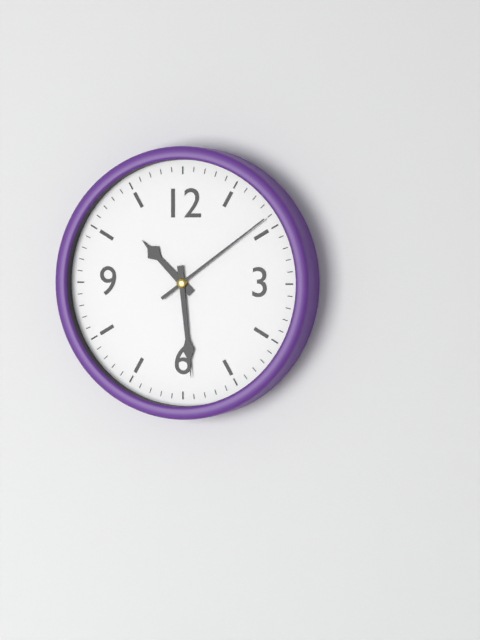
10:29:09
